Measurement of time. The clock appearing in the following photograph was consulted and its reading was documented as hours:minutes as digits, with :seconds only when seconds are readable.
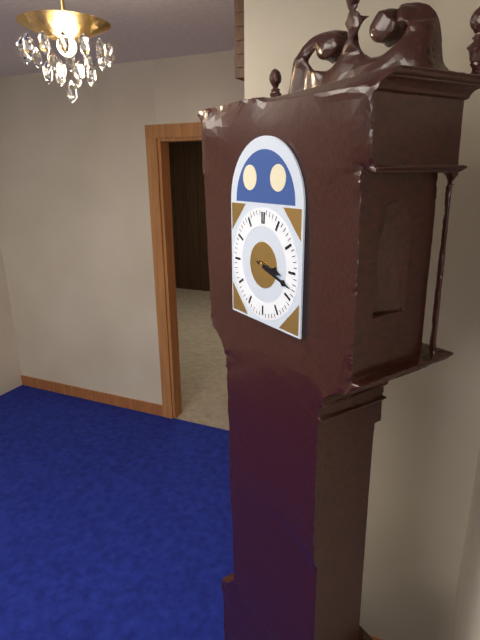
3:18
